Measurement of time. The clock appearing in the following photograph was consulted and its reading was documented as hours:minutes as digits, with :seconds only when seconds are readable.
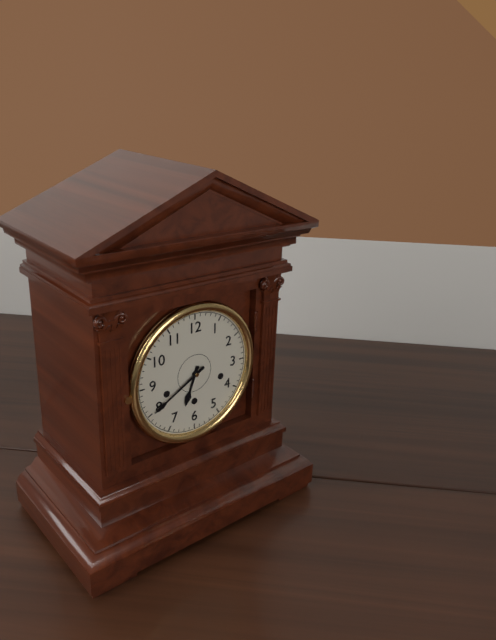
6:40
